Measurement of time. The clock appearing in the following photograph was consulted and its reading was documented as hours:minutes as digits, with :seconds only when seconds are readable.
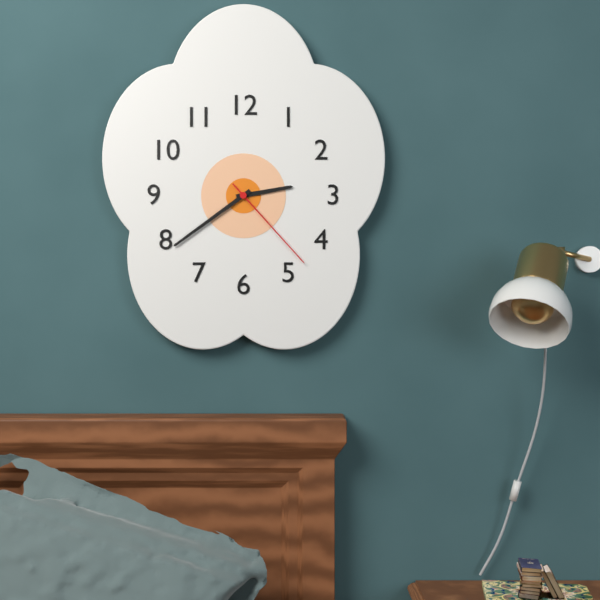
2:39:23
